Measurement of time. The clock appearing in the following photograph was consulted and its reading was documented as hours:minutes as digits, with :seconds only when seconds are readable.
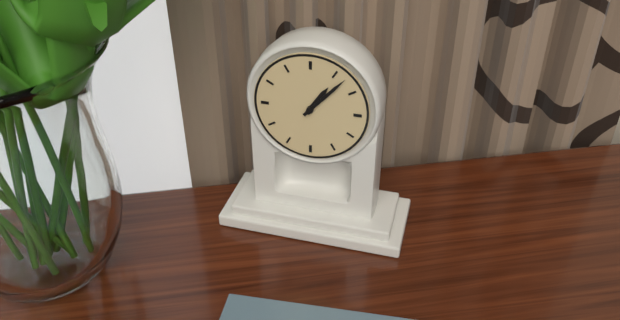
1:07
